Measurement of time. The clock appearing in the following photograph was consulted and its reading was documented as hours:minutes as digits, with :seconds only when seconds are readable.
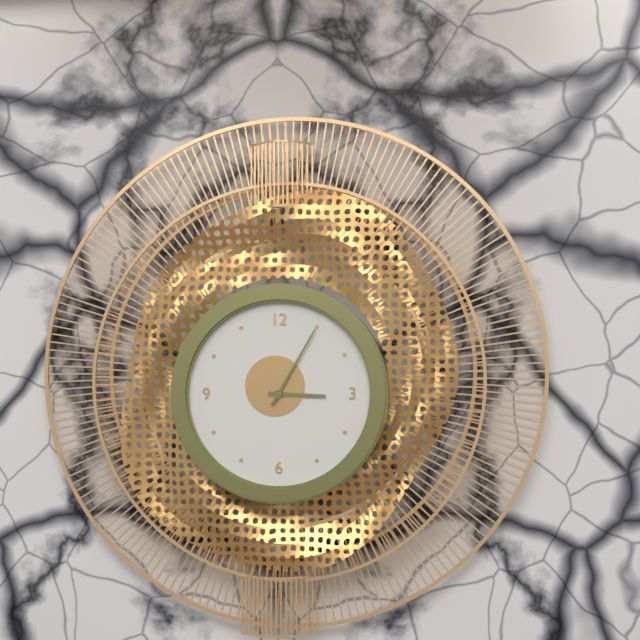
3:05
